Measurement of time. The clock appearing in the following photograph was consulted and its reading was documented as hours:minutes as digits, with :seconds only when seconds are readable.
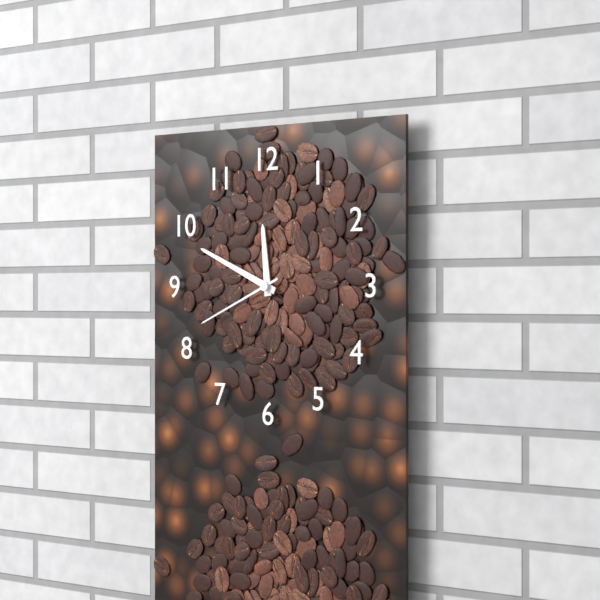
11:49:41
